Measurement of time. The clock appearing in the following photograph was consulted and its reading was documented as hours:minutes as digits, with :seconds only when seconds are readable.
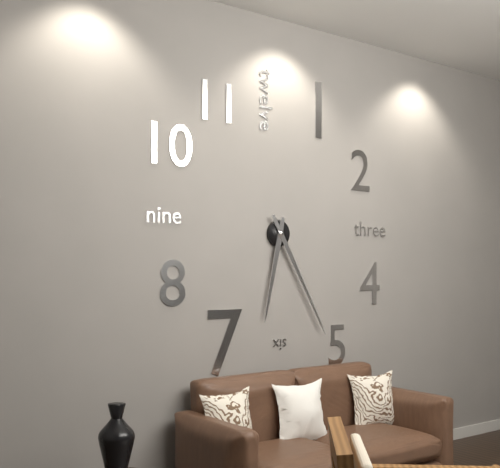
6:25
